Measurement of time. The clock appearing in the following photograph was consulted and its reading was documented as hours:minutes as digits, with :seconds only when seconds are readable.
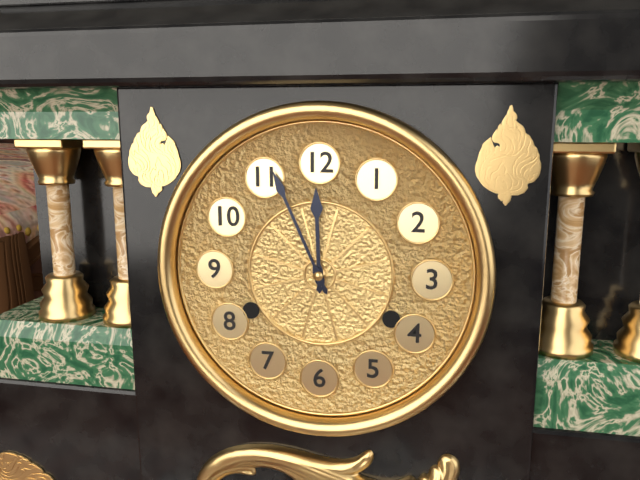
11:56
